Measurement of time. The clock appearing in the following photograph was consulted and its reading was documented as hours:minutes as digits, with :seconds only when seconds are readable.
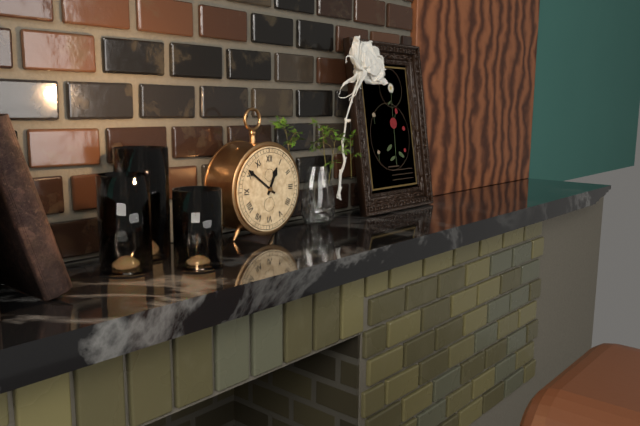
12:51
